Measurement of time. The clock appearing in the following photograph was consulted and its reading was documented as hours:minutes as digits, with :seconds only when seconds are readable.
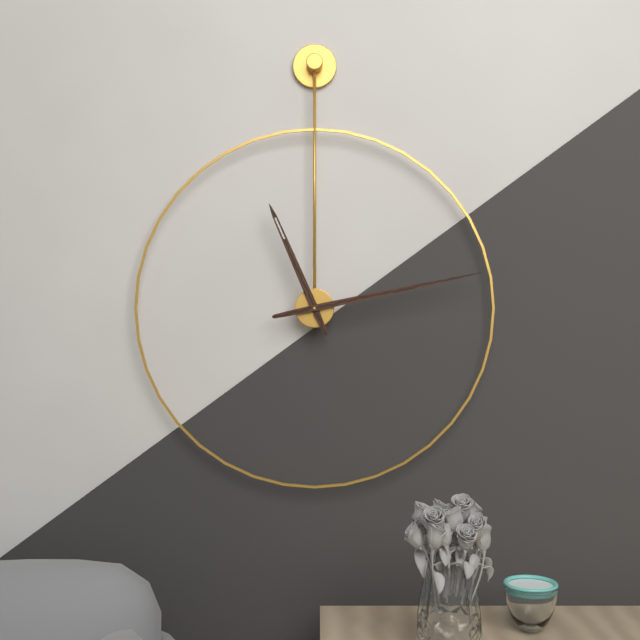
11:13
